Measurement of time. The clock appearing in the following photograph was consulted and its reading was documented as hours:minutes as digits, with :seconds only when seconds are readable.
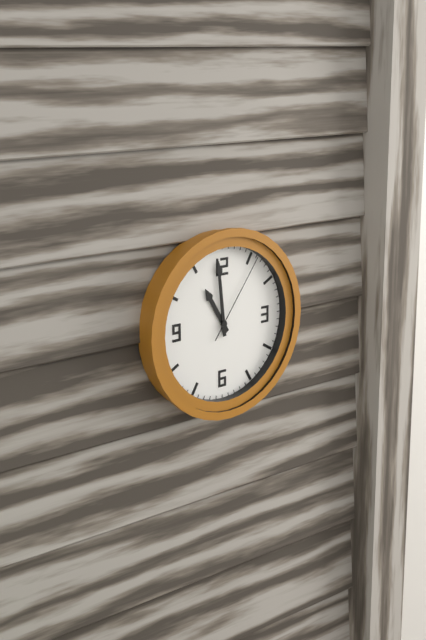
10:59:06
